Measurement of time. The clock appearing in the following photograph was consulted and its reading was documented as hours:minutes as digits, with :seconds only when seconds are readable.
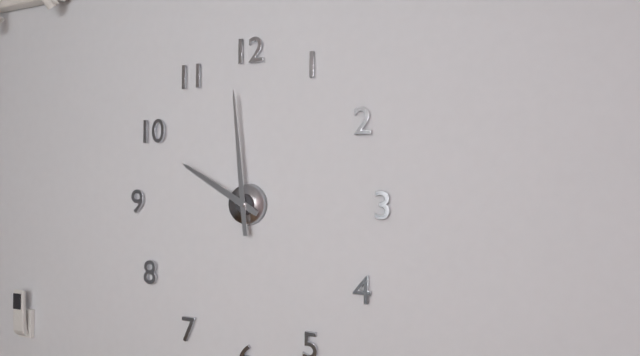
9:59
